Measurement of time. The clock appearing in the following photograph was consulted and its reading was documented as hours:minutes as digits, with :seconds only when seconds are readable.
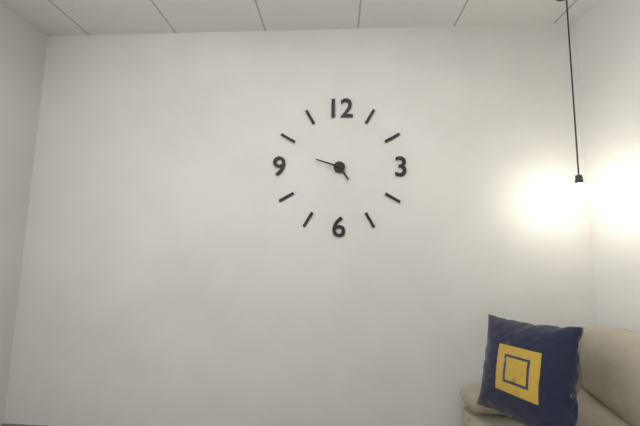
4:48
